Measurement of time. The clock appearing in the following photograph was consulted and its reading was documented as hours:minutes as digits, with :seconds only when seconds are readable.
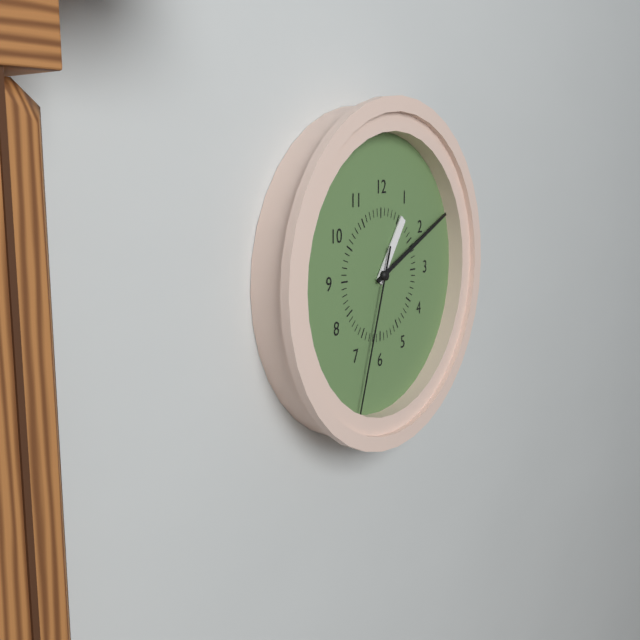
1:11:33
